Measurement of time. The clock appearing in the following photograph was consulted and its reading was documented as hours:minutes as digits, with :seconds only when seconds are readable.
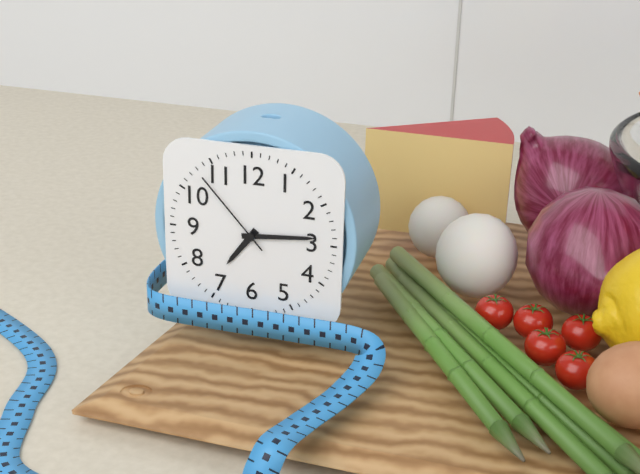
7:14:53
